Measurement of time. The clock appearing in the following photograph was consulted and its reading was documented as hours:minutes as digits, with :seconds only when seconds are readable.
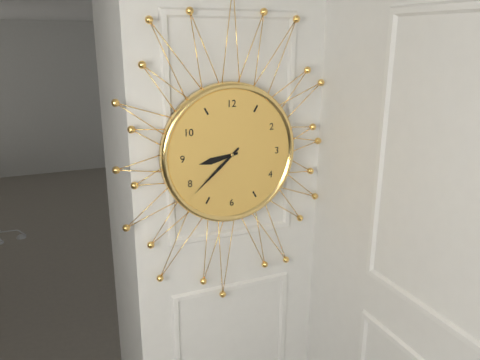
8:38
